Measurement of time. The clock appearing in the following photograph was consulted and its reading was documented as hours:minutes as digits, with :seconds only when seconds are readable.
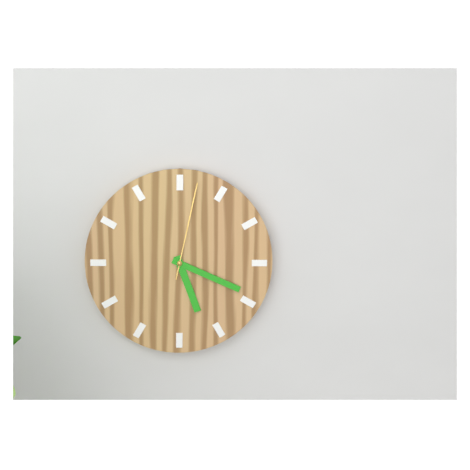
5:19:02
